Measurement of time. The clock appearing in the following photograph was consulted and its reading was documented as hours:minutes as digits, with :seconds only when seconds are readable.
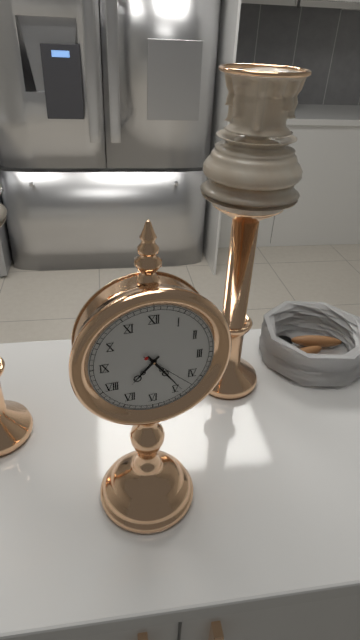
7:24:22
